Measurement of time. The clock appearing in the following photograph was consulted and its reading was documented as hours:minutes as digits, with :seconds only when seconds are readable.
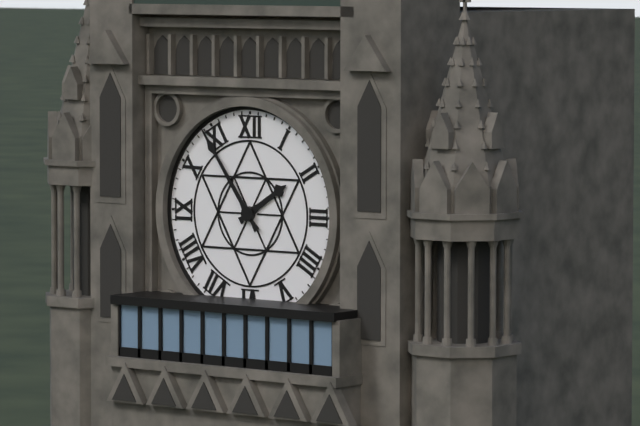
1:54
